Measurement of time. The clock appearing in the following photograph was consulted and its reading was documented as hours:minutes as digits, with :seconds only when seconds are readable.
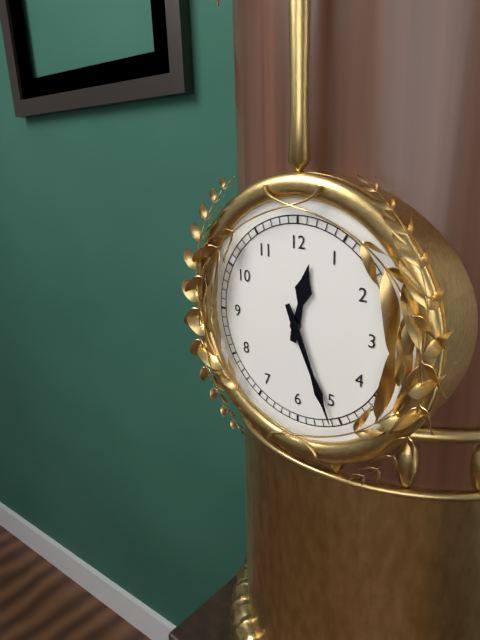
12:26
